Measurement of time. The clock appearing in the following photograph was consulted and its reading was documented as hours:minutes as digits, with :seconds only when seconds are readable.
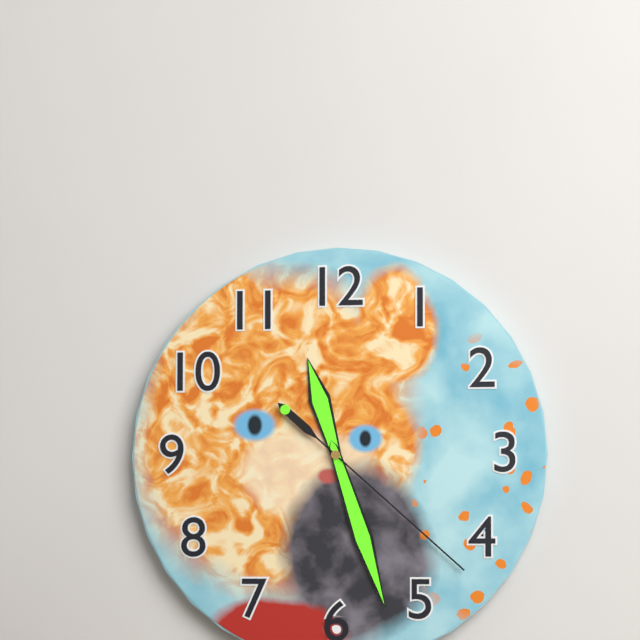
11:27:22
